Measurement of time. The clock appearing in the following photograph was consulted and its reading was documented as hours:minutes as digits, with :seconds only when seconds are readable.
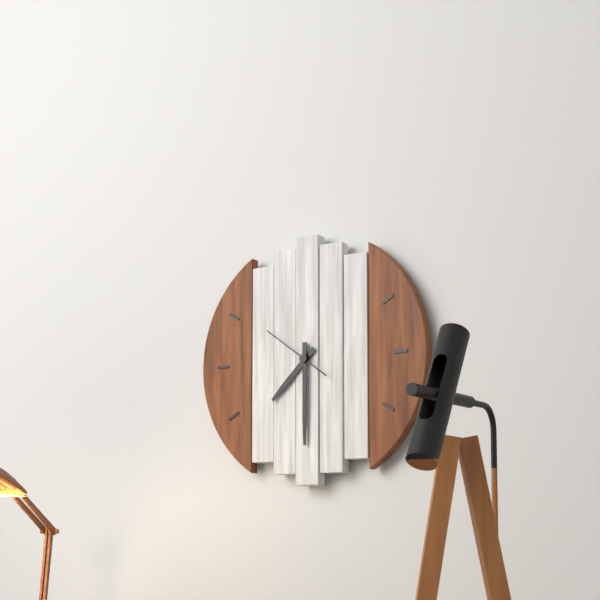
7:30:51
